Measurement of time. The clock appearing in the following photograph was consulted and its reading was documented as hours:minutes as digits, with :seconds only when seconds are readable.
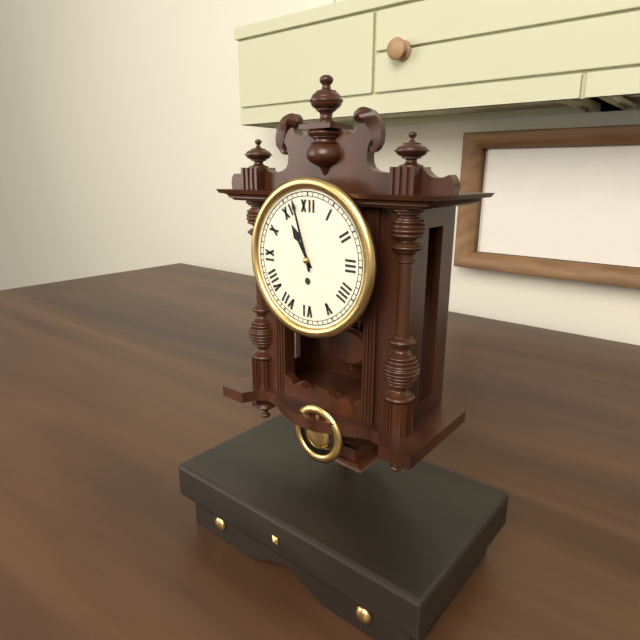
10:57
